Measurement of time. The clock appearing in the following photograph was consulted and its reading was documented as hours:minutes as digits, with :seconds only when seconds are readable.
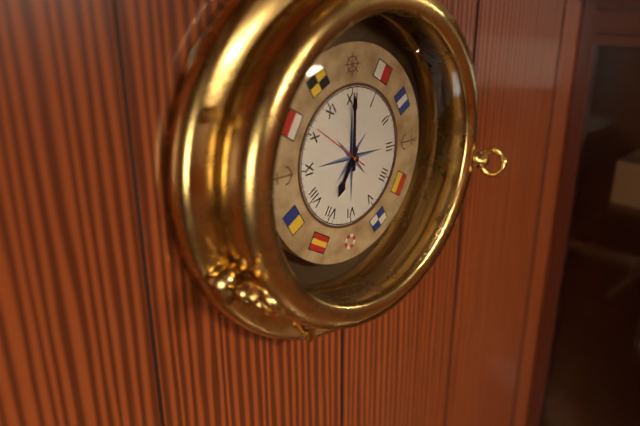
7:00
